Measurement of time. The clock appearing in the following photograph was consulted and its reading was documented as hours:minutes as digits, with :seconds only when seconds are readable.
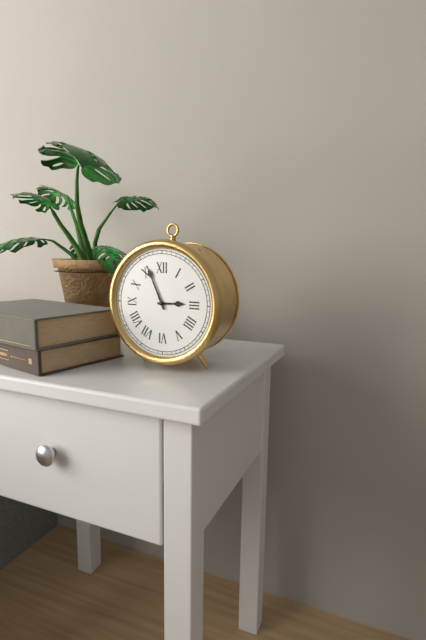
2:56
